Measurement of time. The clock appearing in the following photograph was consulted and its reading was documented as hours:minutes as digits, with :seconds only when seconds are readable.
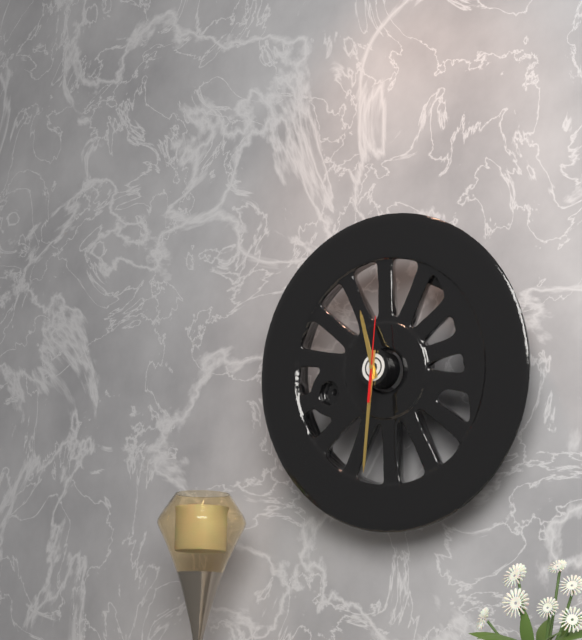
11:31:01
